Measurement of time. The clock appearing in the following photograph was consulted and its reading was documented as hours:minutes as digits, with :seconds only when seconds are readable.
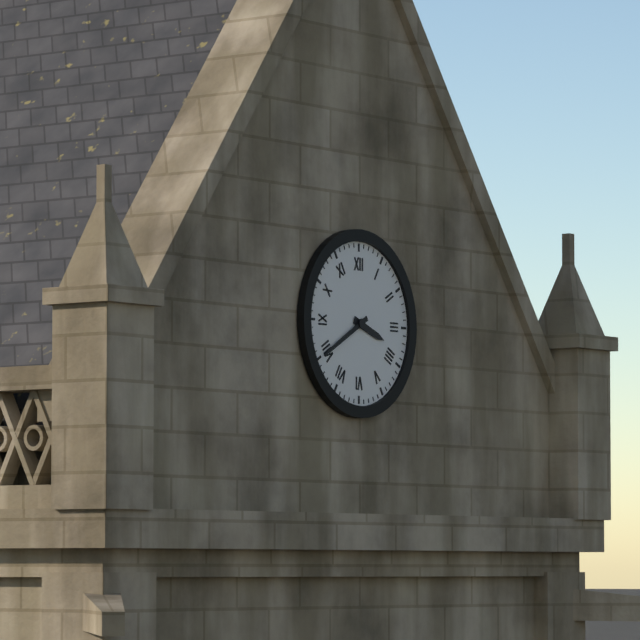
3:40
